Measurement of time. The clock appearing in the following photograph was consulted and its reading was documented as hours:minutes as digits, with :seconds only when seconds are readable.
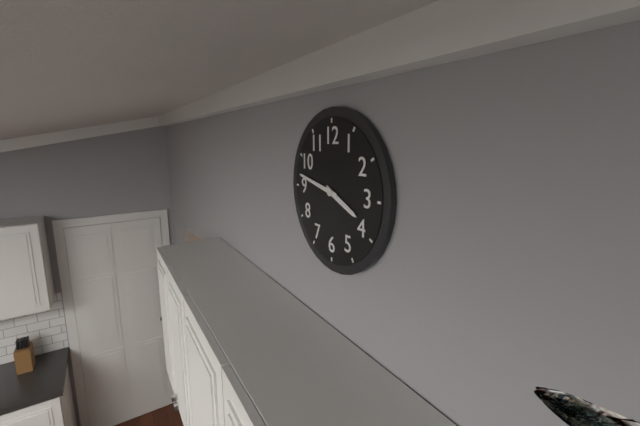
3:47
